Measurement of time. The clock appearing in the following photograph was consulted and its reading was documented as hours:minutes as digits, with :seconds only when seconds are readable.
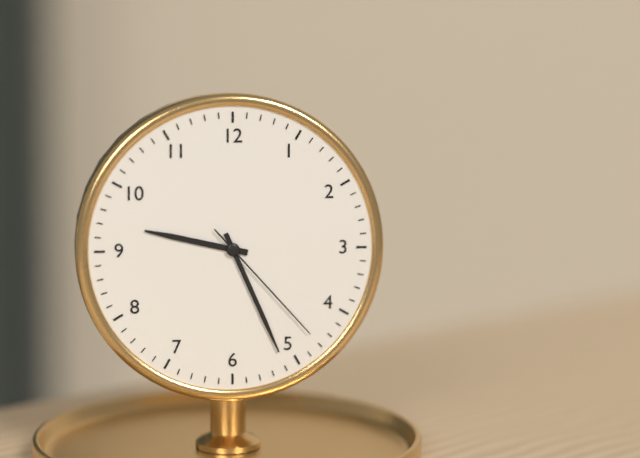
9:26:23
